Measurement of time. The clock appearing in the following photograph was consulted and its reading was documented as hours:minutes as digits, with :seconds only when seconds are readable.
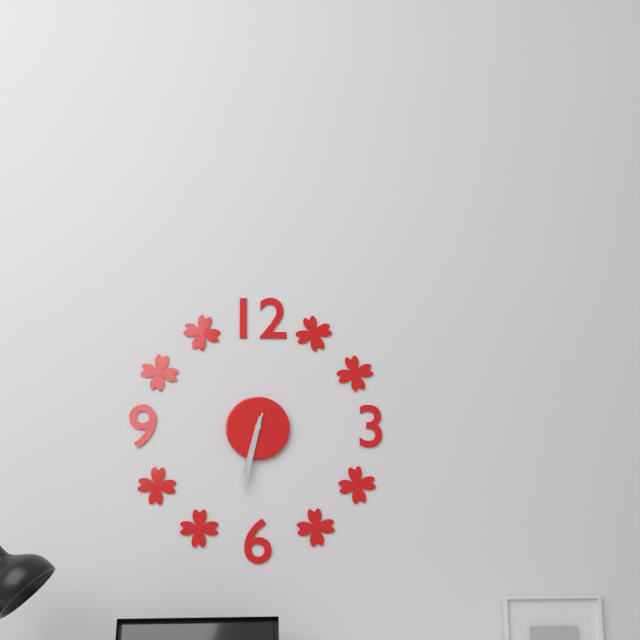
6:32:33
